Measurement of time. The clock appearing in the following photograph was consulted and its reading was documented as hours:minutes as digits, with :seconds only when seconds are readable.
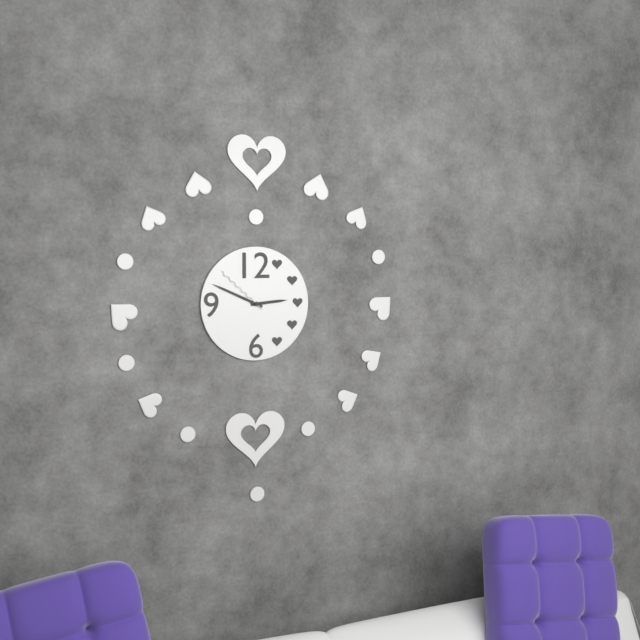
2:49:52
